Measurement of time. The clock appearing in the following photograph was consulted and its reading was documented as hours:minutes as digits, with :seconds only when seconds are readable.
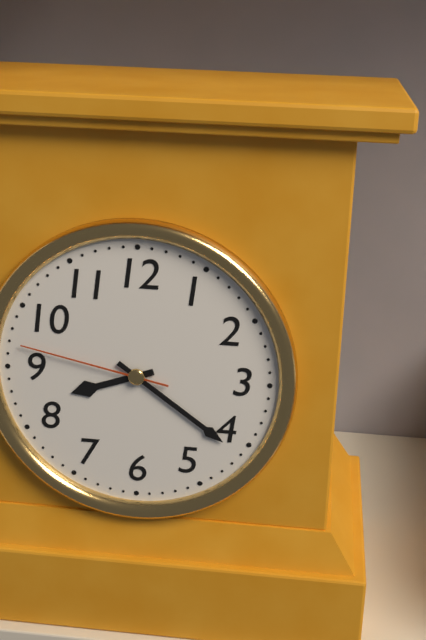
8:21:47
